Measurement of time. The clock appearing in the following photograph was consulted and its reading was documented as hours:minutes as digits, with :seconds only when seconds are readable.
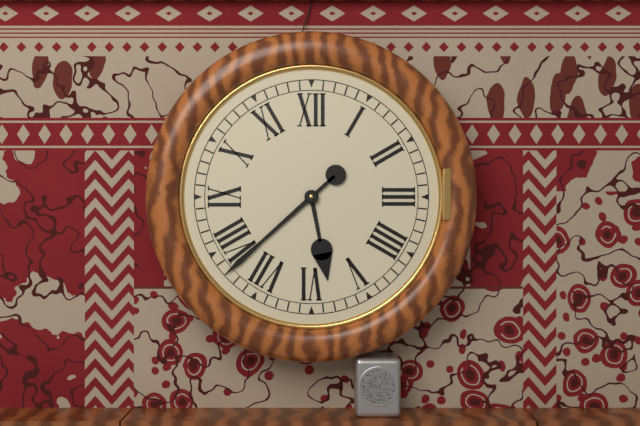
5:38
